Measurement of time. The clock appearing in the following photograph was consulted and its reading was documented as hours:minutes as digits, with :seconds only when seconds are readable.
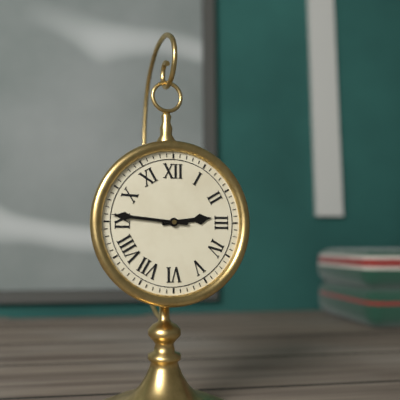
2:46
